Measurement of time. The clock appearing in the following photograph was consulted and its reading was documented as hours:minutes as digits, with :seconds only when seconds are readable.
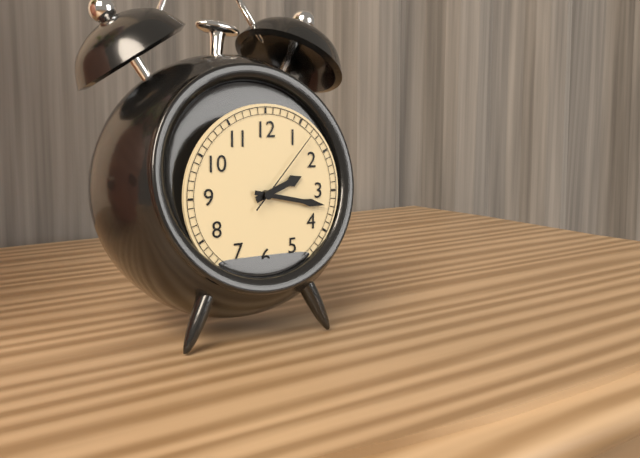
2:17:07
